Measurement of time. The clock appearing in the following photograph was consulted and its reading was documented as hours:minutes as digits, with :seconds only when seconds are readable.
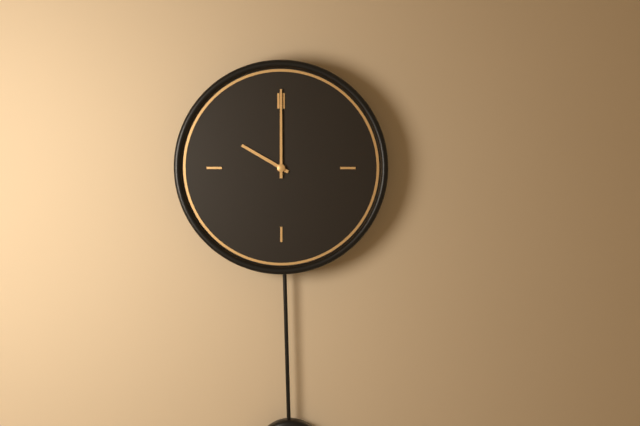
10:00
